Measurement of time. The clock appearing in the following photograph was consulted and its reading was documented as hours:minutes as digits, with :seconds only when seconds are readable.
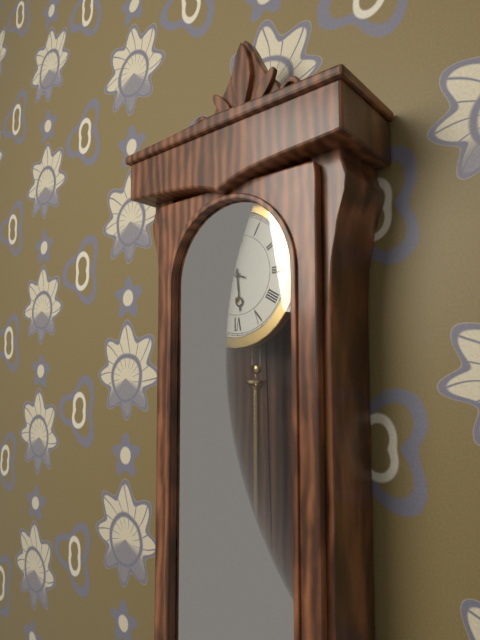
5:48
